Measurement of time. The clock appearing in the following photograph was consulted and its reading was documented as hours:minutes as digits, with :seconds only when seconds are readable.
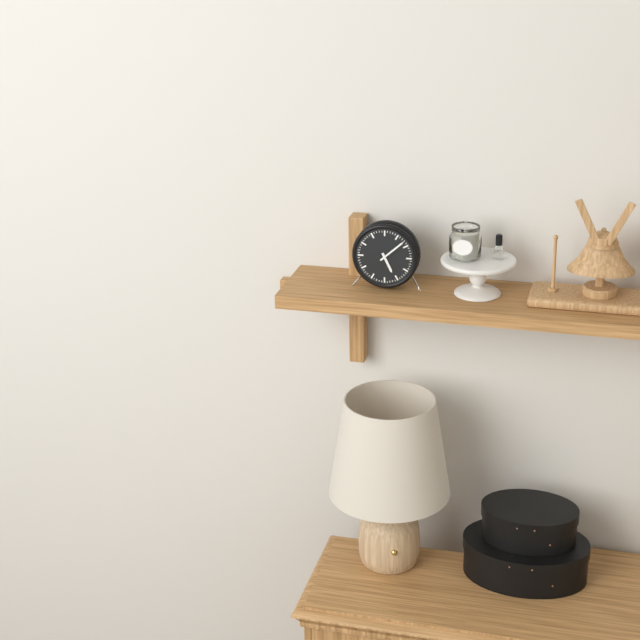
5:08
